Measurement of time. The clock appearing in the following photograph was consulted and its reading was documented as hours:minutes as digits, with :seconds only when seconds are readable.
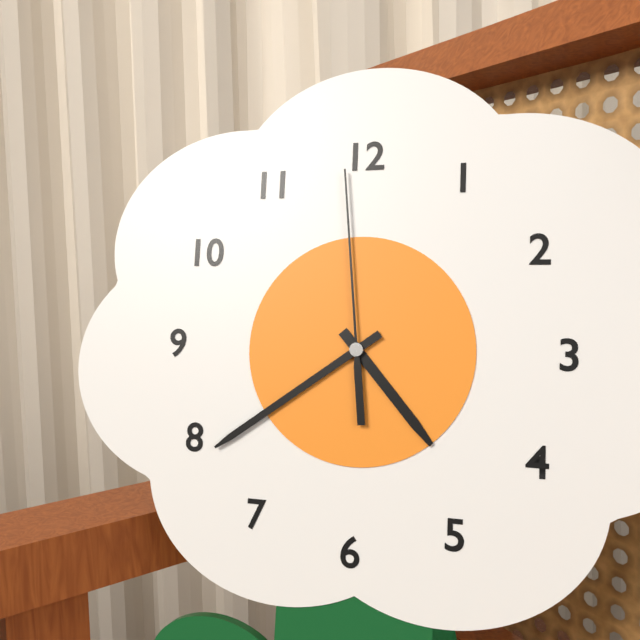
4:39:59
